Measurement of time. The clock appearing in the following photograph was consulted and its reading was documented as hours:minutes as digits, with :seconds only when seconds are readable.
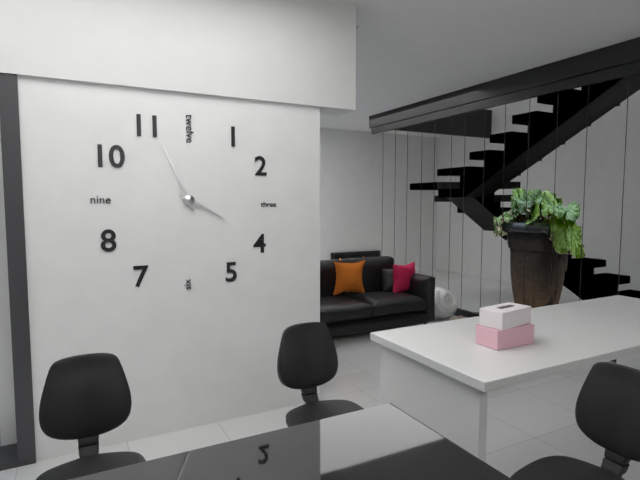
3:56
